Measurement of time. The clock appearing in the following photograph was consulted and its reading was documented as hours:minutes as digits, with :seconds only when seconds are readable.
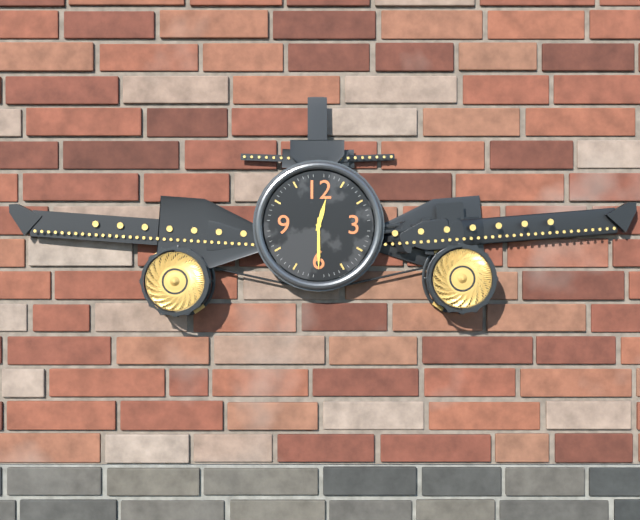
12:30
